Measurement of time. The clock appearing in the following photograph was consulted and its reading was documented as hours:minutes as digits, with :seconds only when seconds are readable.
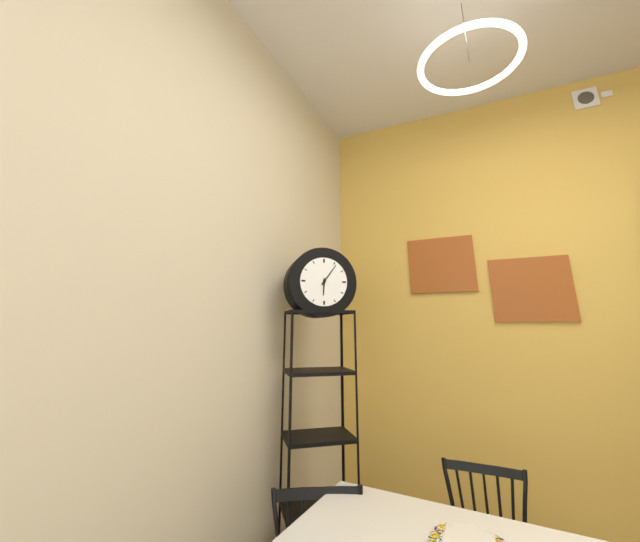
6:06
